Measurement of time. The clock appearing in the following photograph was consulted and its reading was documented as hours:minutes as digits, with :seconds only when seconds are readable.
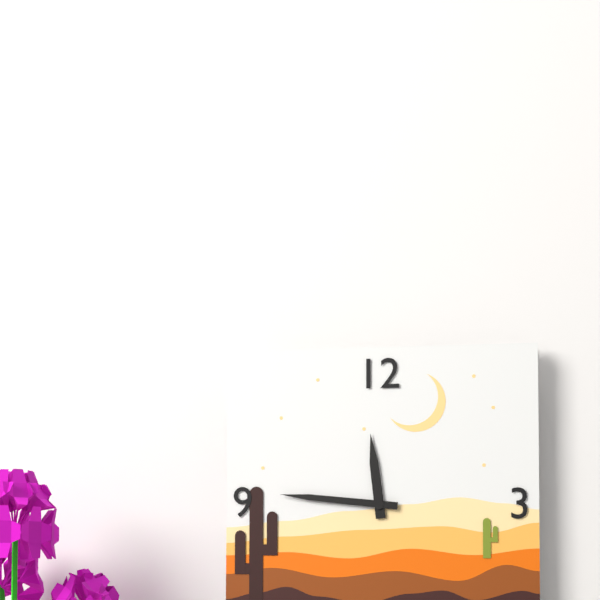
11:46
